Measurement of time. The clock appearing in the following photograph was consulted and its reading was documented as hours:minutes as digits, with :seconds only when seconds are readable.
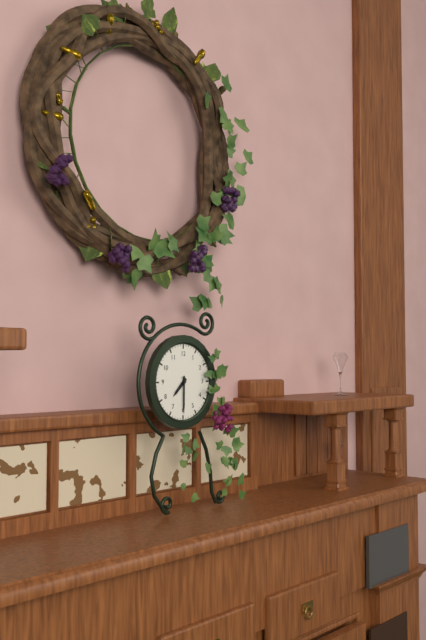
7:30
